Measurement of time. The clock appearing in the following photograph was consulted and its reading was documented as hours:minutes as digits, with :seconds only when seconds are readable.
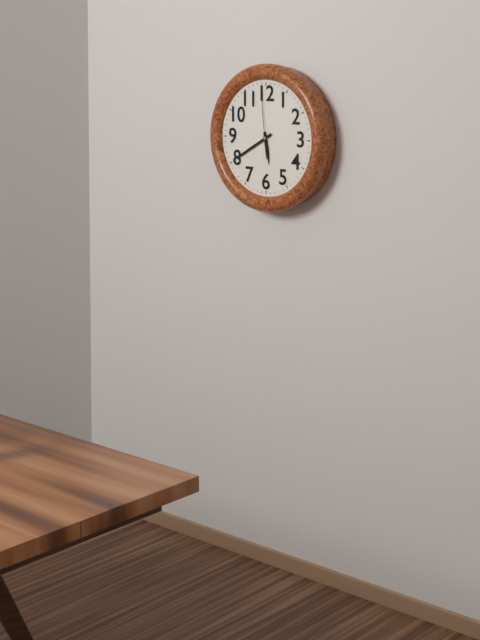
5:40:59
